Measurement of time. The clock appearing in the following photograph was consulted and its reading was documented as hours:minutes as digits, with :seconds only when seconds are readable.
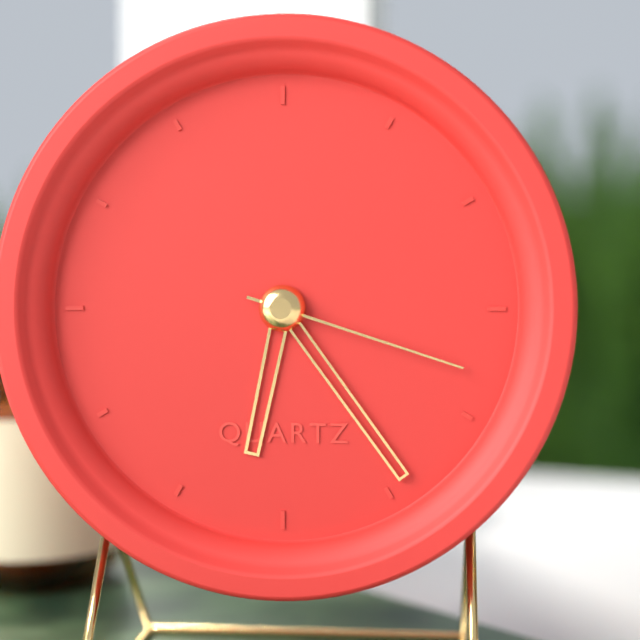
6:24:18
